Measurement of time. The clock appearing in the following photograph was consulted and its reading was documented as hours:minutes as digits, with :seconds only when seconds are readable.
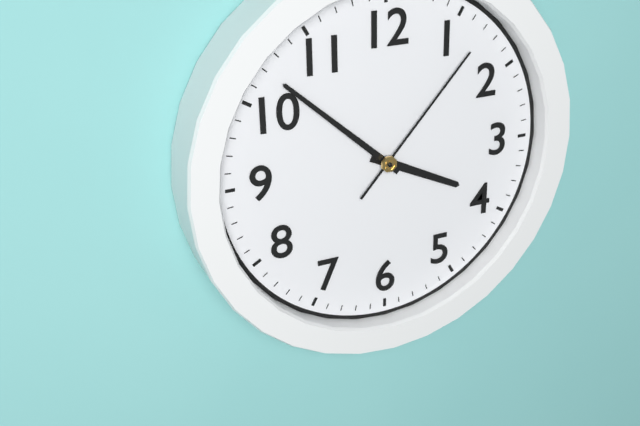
3:52:07
